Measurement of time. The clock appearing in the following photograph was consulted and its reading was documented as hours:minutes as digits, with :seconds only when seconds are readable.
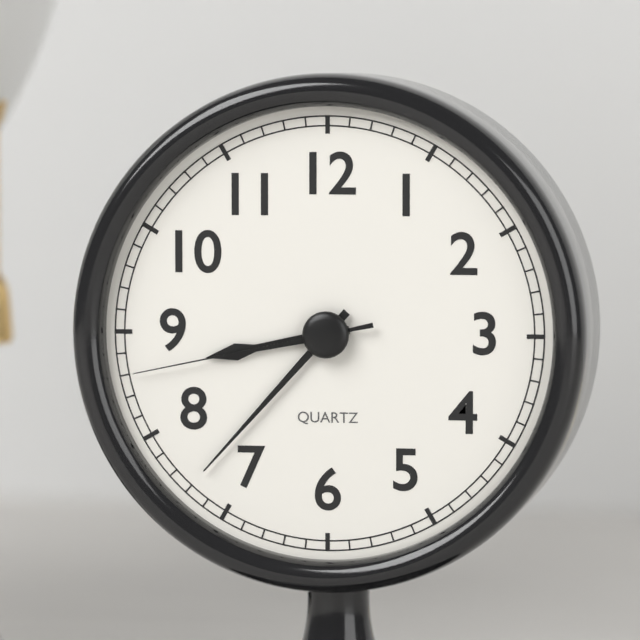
8:37:43
